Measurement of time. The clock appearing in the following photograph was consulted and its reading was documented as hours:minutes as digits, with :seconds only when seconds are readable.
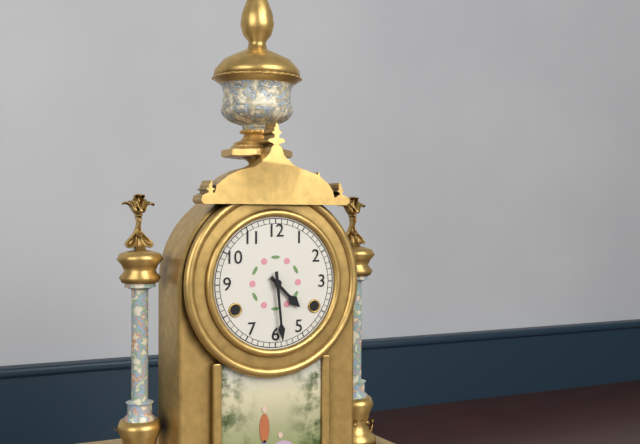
4:29
